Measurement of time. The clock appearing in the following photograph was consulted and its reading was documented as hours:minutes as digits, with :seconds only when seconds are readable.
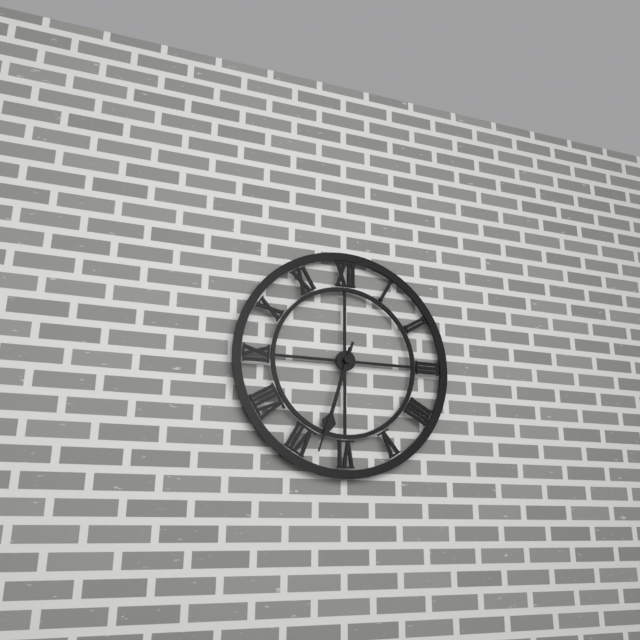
6:33
